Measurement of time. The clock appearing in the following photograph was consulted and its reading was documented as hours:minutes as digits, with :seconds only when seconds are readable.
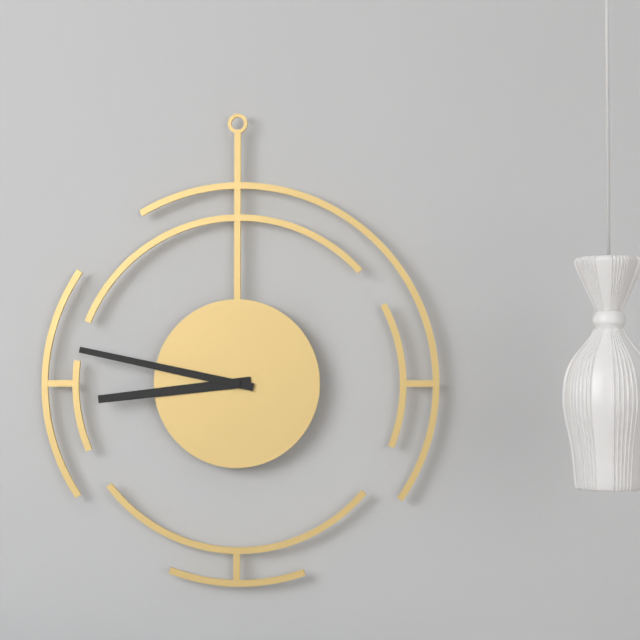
8:47
